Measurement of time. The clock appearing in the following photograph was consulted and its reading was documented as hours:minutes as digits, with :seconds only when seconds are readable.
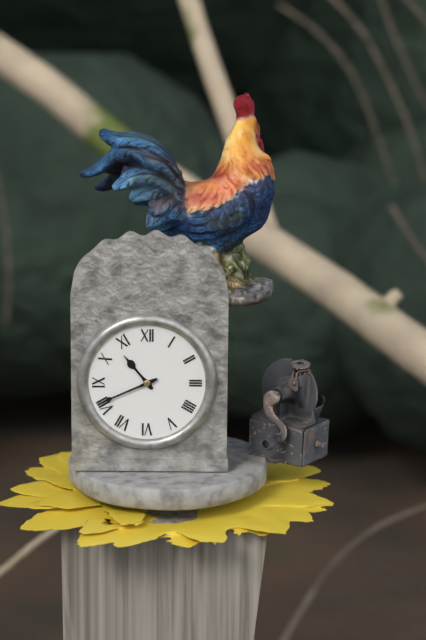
10:41
